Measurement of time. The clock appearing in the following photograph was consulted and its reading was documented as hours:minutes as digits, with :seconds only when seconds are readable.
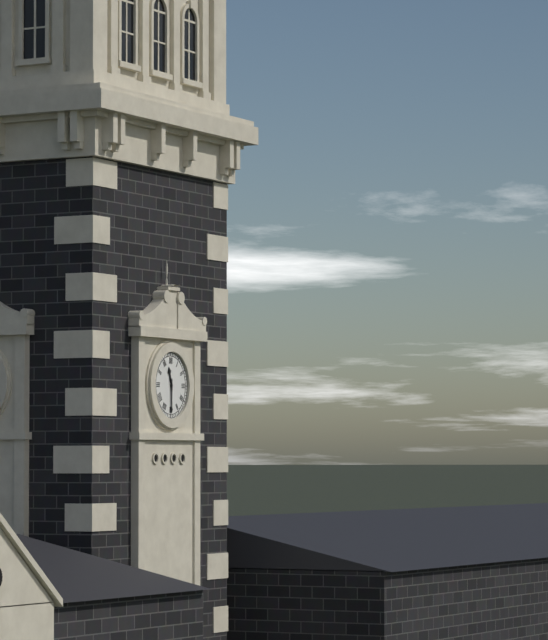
11:30
